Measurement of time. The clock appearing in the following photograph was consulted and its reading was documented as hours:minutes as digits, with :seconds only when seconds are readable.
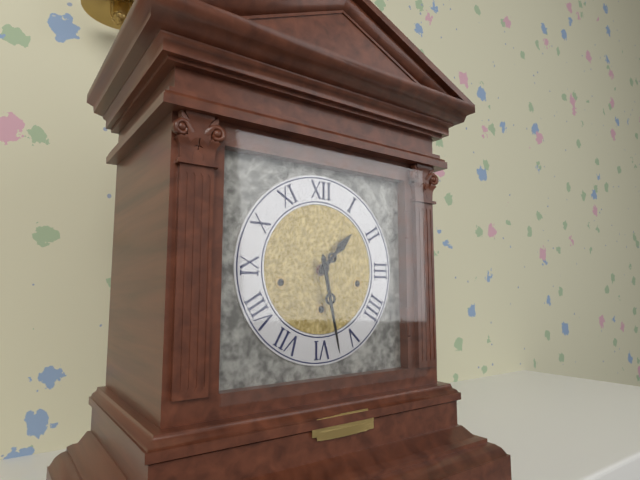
1:28
